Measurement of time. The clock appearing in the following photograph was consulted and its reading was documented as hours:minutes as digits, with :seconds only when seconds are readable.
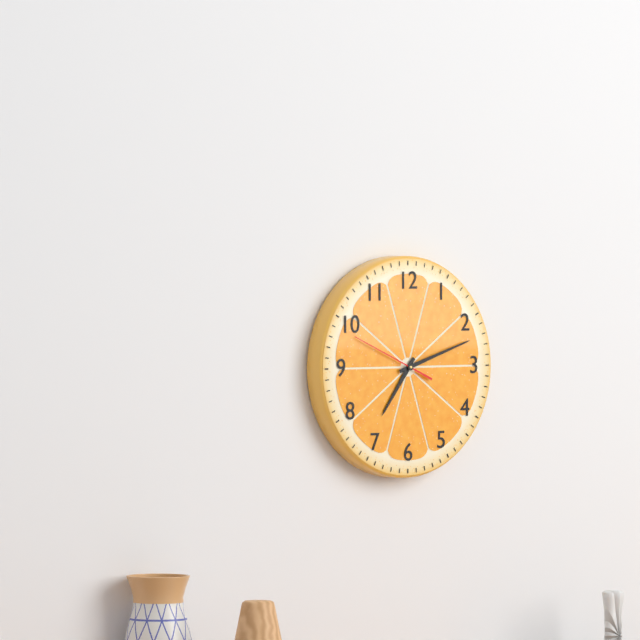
7:12:49
